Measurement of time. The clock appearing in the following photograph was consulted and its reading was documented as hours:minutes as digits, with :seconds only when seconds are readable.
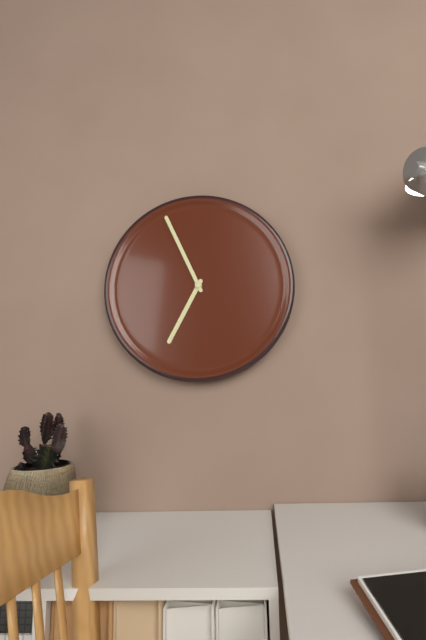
6:56
